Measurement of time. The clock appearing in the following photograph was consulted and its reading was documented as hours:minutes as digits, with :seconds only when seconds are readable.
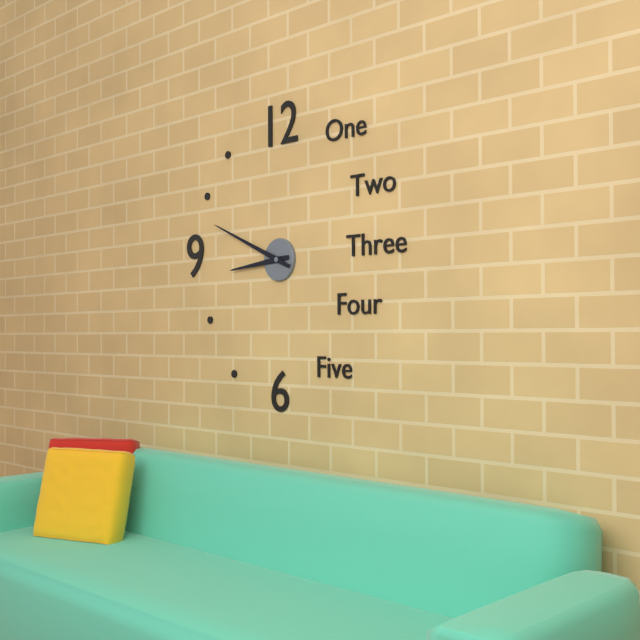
8:49
